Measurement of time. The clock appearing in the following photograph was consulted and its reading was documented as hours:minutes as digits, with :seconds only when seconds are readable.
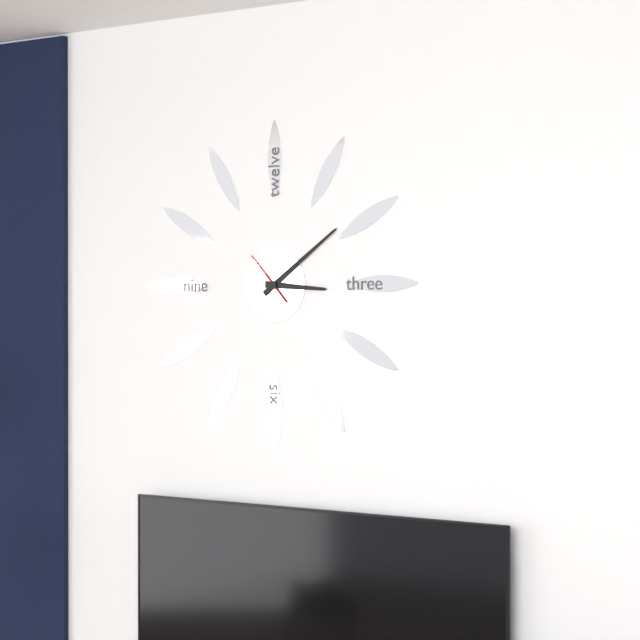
3:09
